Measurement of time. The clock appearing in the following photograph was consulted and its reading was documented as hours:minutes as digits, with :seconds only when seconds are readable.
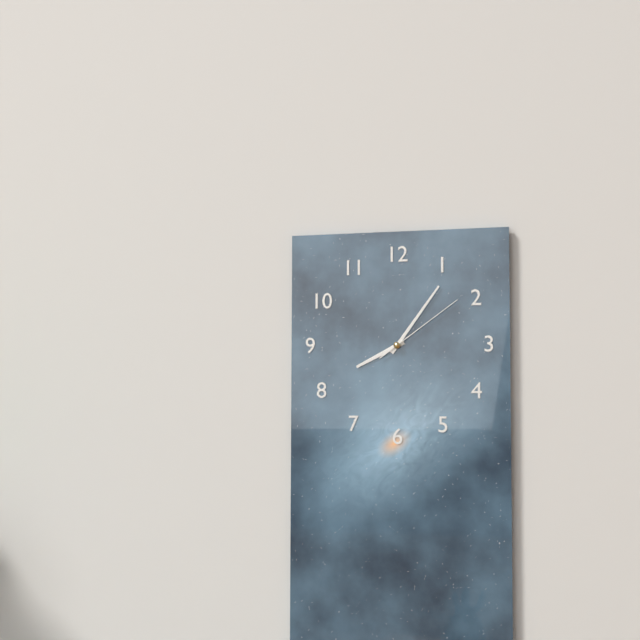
8:06:09
